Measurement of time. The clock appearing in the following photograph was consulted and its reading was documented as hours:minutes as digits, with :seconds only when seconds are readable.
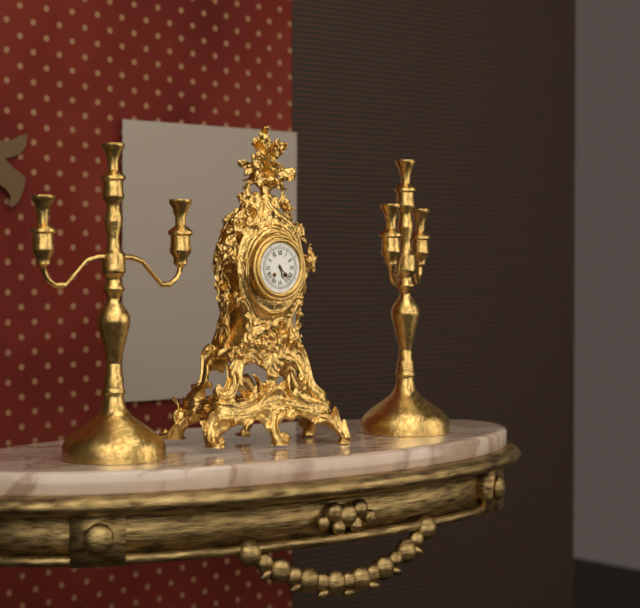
5:23
